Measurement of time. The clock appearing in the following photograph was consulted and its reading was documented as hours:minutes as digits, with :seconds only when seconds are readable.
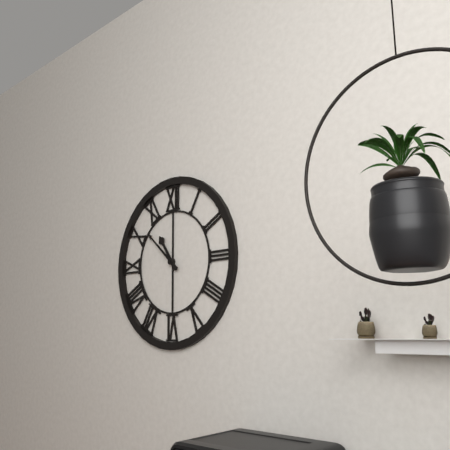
10:52
